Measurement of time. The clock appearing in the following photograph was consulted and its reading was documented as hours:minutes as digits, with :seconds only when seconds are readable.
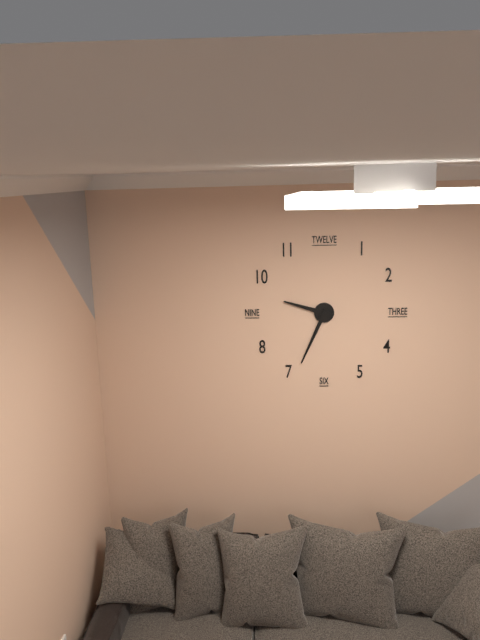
9:34
